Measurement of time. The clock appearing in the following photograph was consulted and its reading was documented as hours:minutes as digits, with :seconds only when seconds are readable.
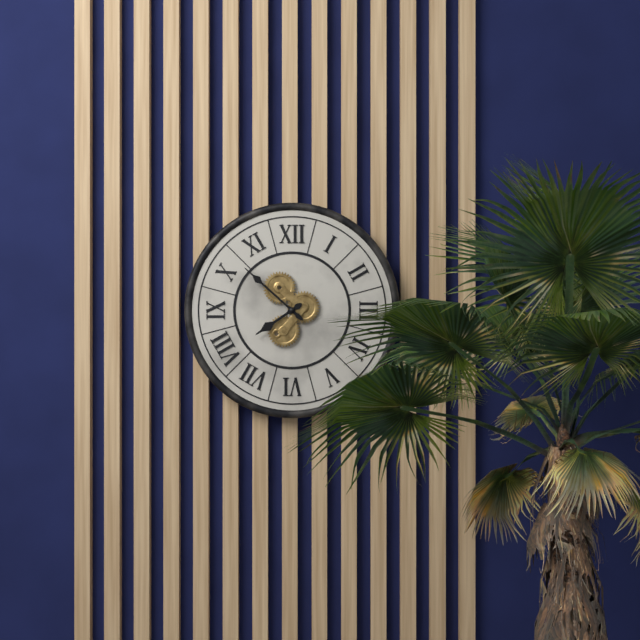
7:52
